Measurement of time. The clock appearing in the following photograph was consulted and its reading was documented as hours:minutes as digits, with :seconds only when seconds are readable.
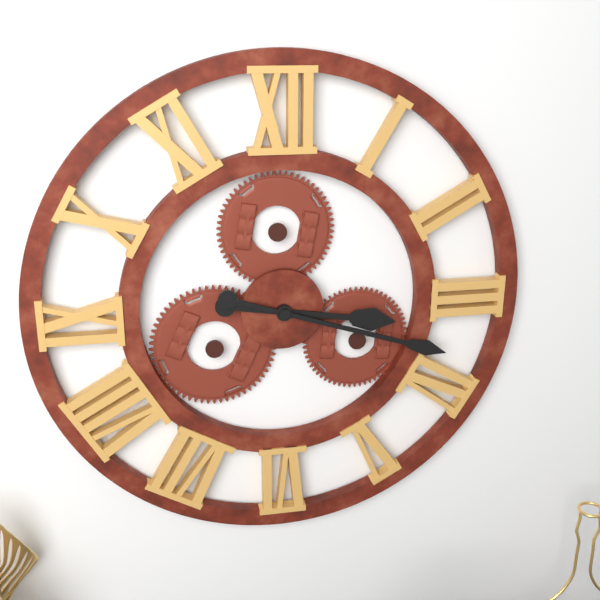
3:18
